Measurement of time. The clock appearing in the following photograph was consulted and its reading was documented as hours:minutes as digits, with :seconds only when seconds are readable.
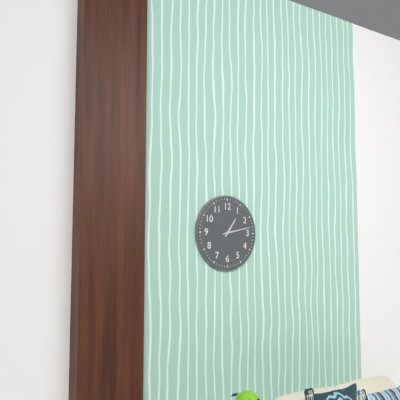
1:13
